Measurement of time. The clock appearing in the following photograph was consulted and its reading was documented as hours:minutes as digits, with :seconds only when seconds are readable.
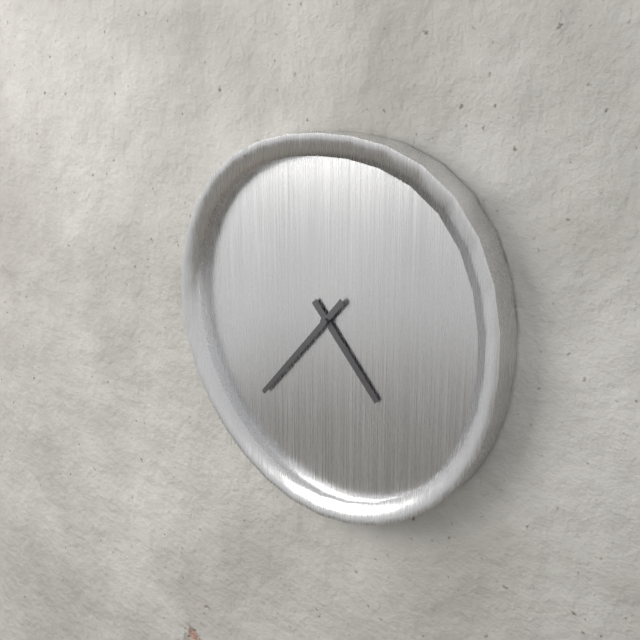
4:37
